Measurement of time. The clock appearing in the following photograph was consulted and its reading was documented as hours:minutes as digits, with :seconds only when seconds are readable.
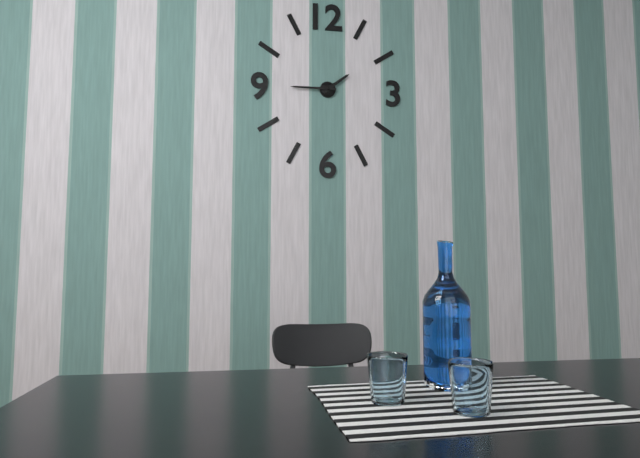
1:45
